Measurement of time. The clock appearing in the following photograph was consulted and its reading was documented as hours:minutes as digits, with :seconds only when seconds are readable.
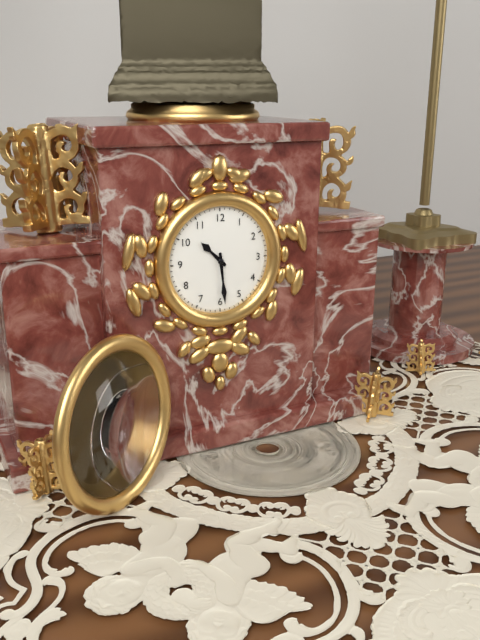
10:29
